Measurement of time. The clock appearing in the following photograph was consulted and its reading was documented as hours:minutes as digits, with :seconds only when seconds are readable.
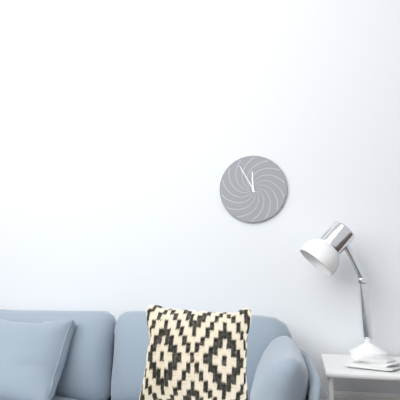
11:55
